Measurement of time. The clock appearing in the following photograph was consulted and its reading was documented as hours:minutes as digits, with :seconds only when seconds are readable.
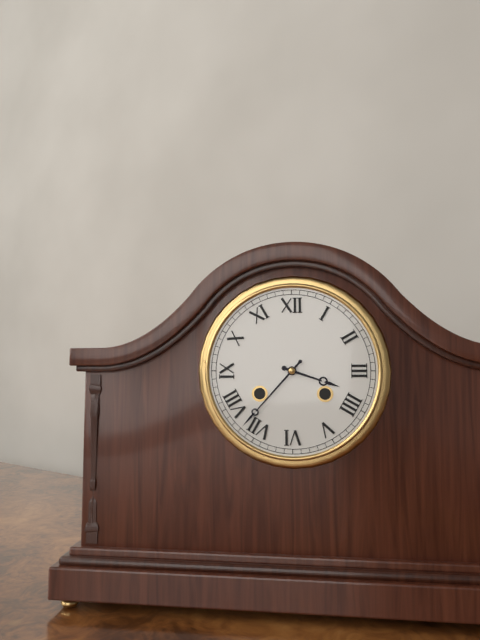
3:37
